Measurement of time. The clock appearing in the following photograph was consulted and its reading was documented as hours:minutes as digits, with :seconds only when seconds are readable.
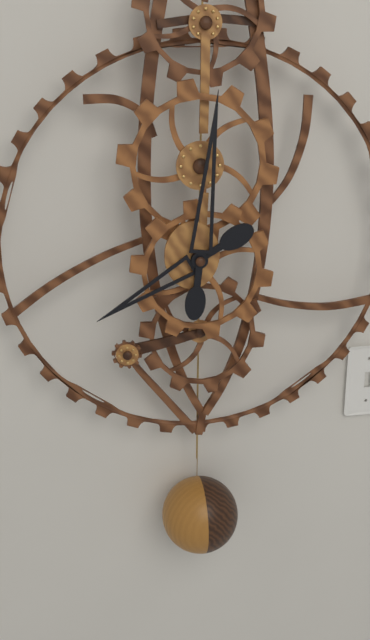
8:01
